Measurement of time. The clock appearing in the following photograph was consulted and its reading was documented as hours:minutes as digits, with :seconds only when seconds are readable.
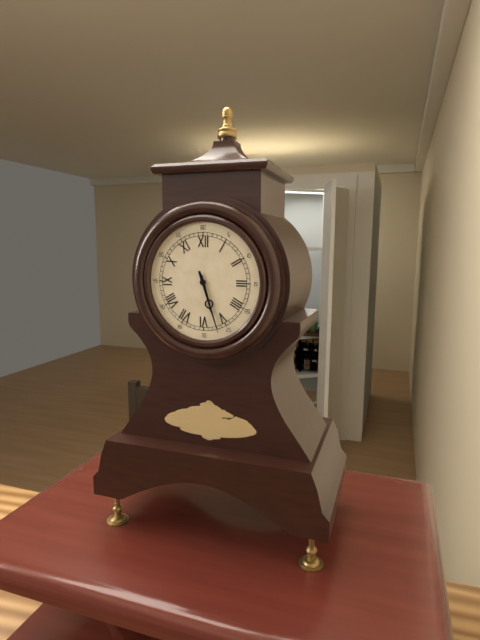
5:27
